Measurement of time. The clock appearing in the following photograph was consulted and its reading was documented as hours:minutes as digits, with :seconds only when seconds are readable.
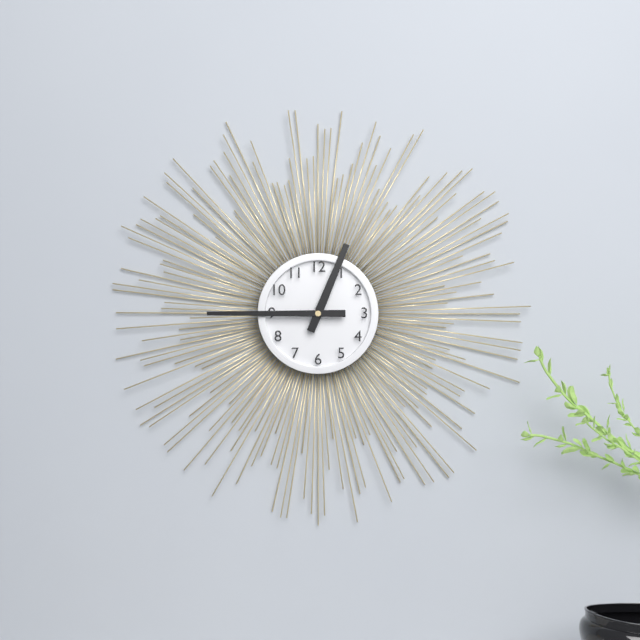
12:45
